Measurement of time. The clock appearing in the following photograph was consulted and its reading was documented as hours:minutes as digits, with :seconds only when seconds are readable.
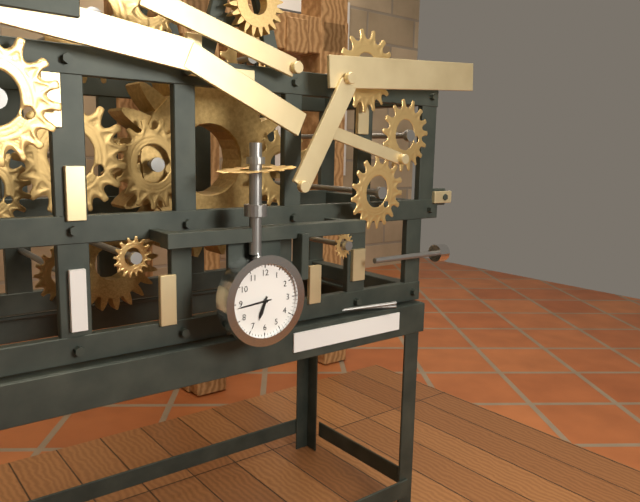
6:44
